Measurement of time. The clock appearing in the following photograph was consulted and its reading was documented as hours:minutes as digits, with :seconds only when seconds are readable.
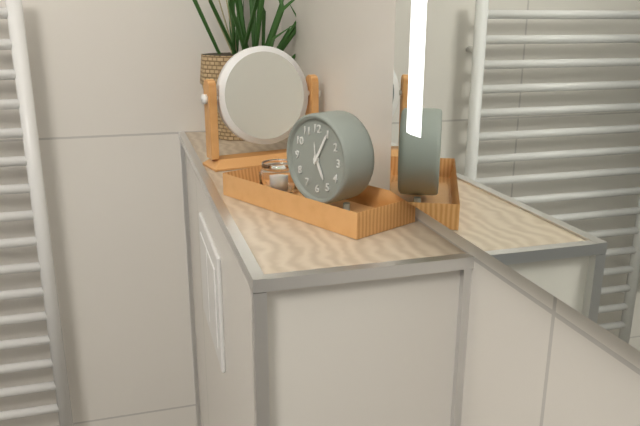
5:05
